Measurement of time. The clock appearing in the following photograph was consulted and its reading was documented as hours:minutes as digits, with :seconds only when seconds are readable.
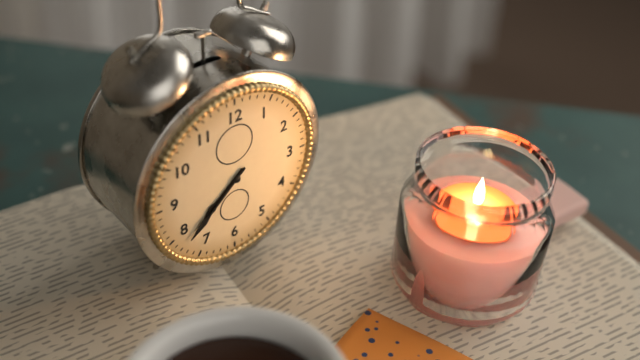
7:38
